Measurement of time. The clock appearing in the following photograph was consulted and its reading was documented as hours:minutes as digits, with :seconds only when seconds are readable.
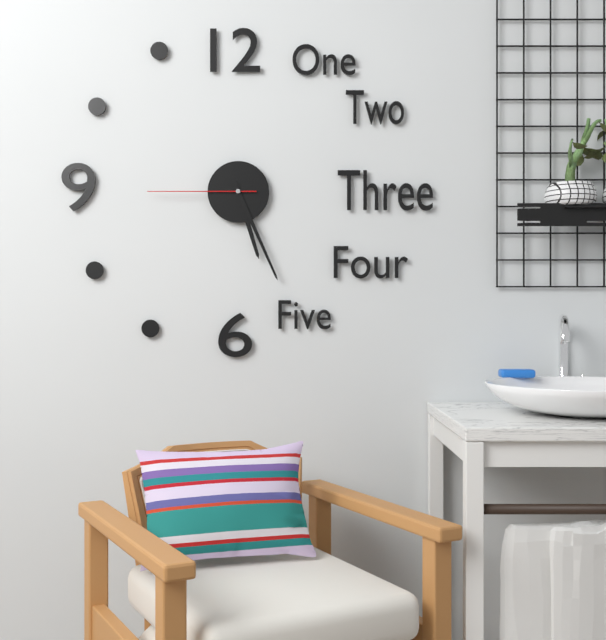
5:26:45
